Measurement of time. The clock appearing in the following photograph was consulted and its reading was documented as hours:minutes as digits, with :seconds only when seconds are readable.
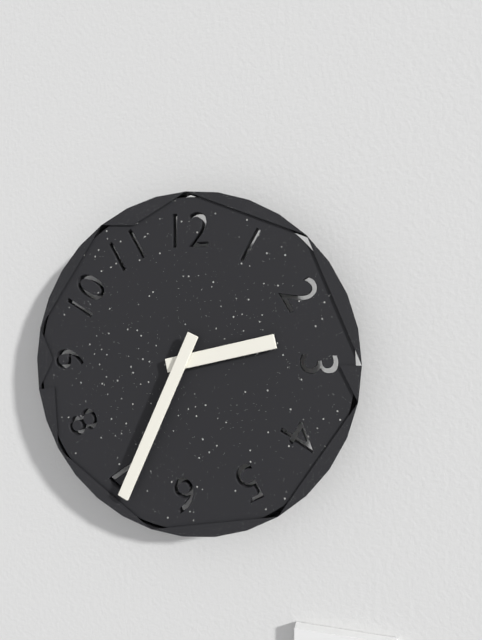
2:34
